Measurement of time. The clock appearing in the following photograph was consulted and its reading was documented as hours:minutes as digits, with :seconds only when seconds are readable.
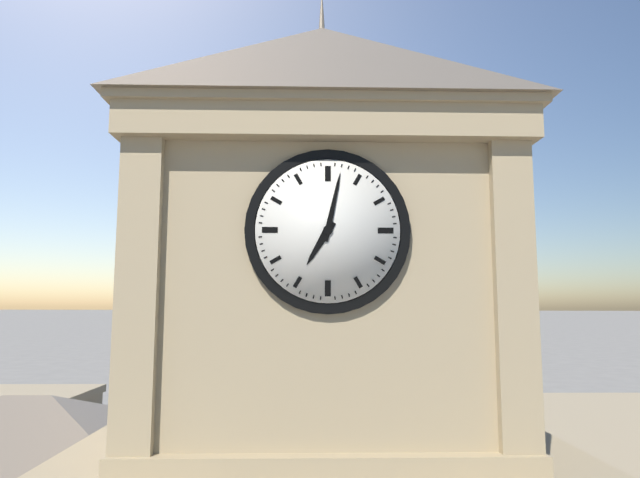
7:02
